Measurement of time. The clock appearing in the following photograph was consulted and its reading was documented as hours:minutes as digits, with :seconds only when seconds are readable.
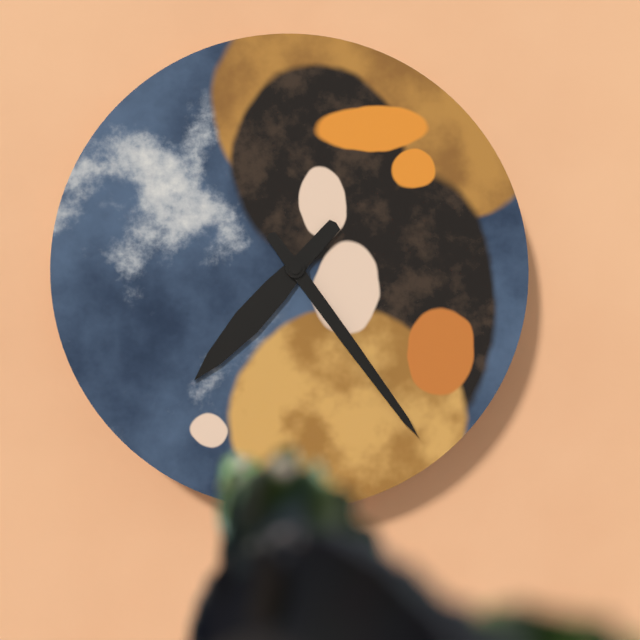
7:24
